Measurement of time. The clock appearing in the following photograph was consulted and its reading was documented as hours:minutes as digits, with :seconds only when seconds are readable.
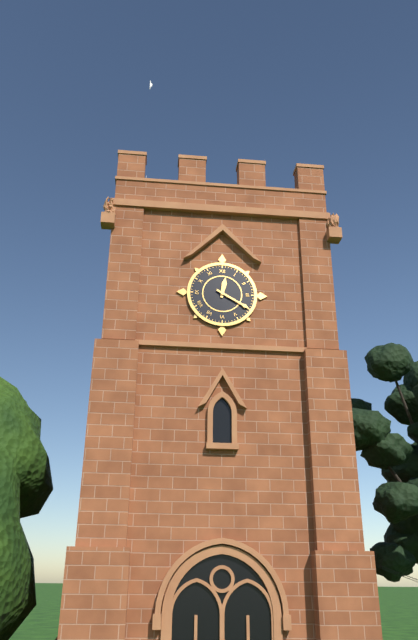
12:20
